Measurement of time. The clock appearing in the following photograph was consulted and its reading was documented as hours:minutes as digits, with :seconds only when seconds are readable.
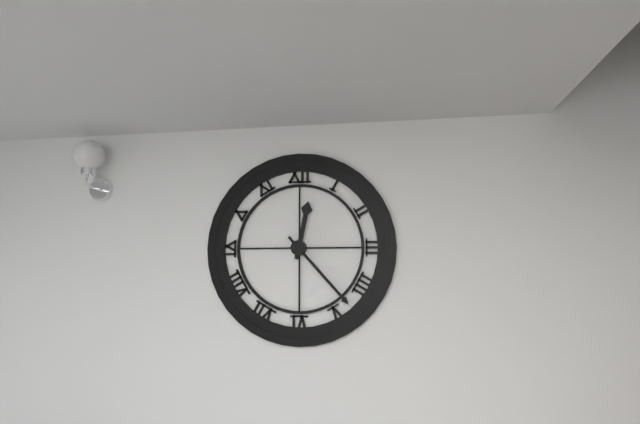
12:23
